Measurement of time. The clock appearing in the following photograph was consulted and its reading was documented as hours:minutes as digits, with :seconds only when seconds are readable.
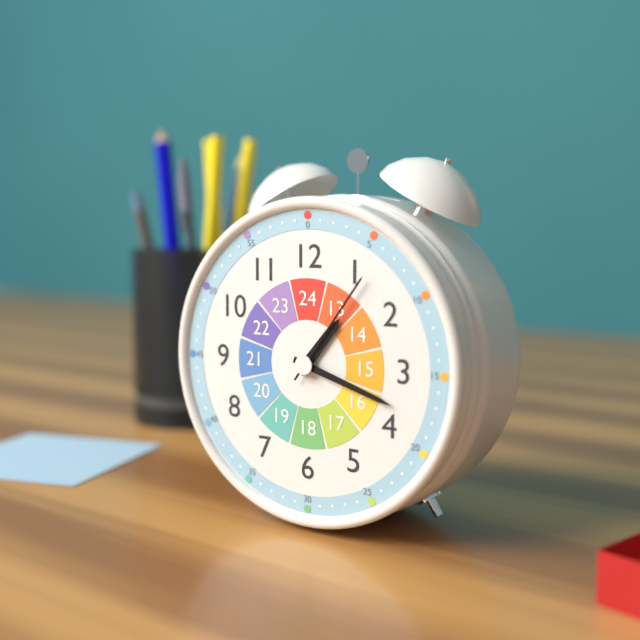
1:18:06
